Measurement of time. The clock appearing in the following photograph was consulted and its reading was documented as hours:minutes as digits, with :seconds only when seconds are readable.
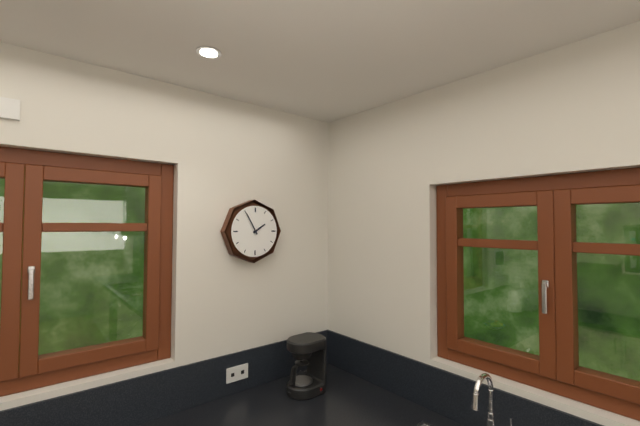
1:55
